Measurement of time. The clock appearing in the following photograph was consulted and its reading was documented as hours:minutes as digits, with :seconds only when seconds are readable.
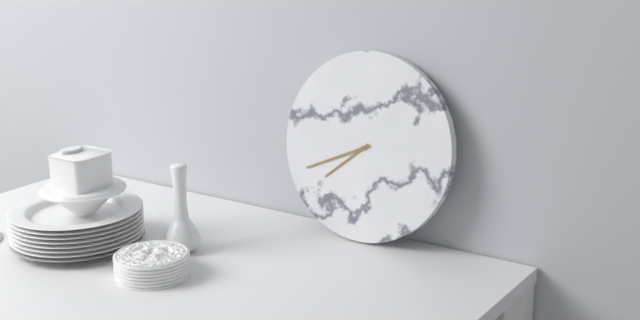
7:41
